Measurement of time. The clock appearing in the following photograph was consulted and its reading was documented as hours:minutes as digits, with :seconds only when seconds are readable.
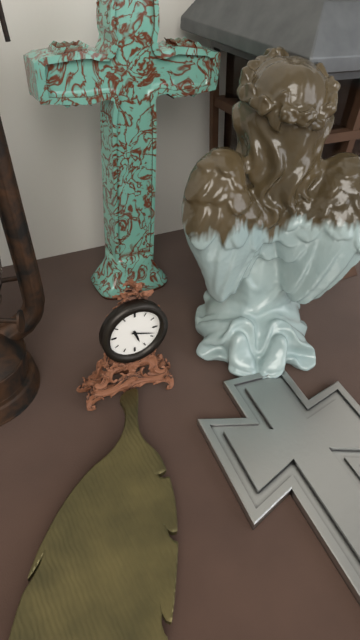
5:18
